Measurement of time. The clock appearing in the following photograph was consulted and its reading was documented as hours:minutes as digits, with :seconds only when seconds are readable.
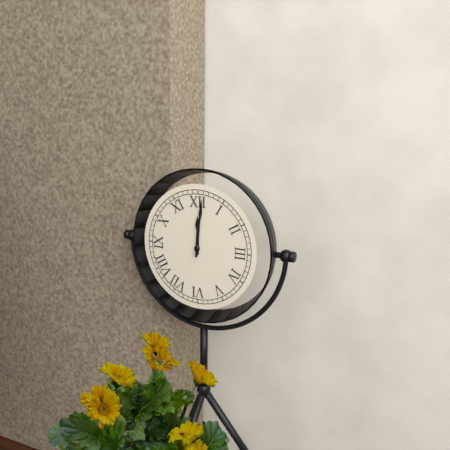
12:01
